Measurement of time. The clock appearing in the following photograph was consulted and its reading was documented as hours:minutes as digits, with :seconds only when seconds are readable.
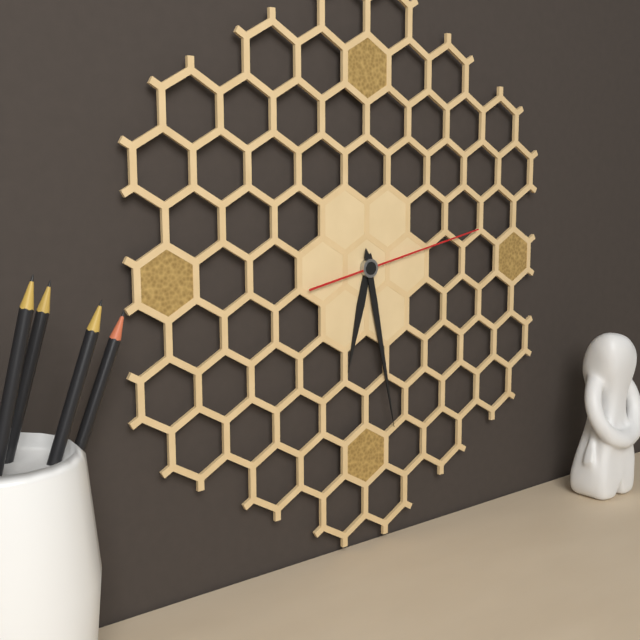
6:28:13
